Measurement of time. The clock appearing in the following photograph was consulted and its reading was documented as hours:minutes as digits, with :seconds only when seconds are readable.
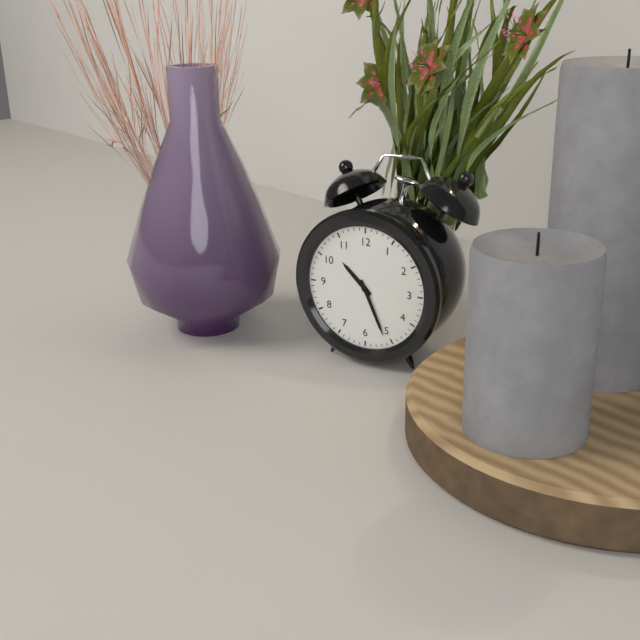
10:26
